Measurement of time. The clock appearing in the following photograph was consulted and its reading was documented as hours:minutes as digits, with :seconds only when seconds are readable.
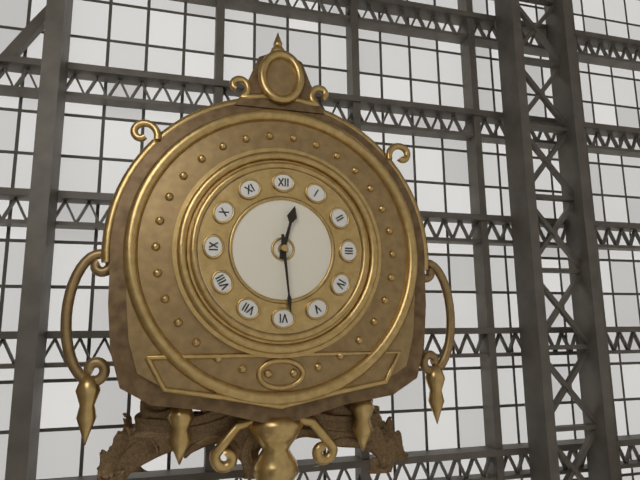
12:29
